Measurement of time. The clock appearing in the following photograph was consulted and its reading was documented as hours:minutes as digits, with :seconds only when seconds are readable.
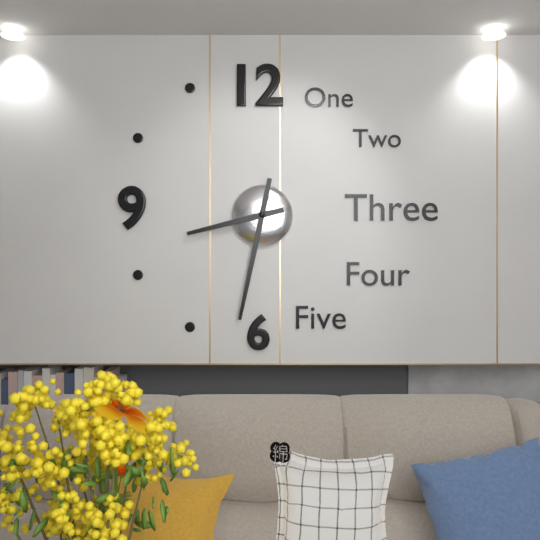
8:32
